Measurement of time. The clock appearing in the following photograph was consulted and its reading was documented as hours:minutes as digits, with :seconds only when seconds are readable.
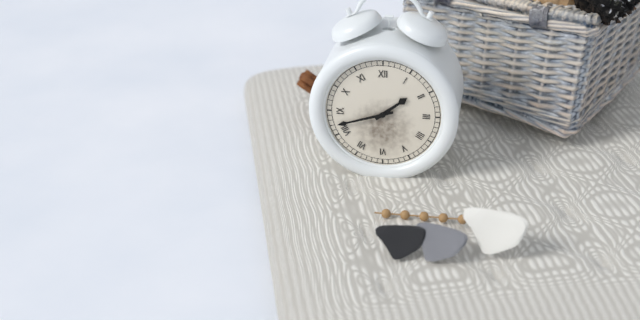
1:42
